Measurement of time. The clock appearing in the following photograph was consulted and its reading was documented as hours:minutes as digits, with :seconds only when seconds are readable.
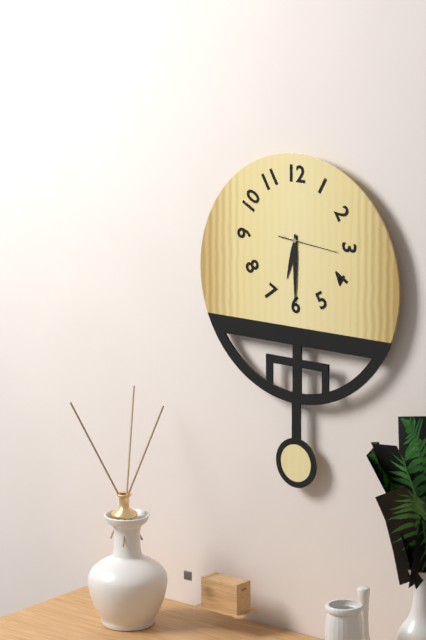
6:30:16
